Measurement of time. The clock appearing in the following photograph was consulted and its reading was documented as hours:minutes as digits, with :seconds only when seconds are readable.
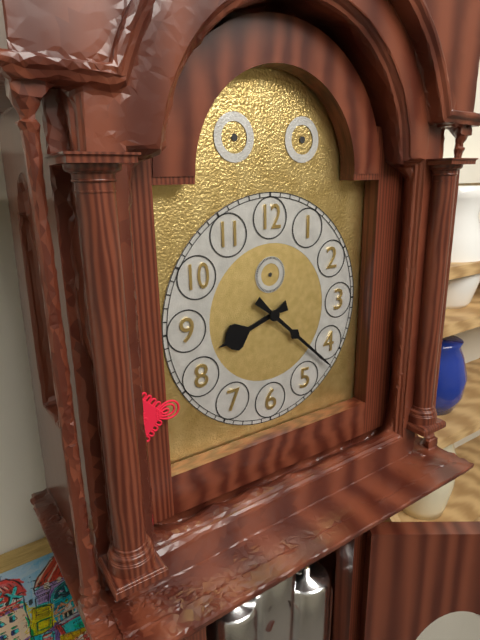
8:22
